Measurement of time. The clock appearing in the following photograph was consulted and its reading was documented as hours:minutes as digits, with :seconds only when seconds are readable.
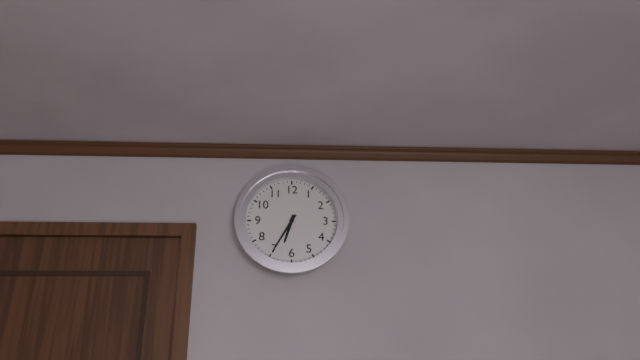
6:35
